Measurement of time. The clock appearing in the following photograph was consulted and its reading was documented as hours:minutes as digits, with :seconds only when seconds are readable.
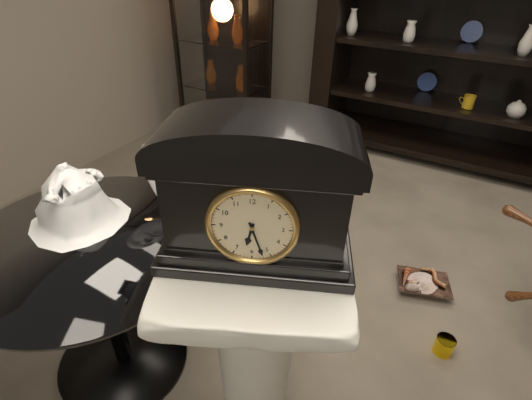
6:27
